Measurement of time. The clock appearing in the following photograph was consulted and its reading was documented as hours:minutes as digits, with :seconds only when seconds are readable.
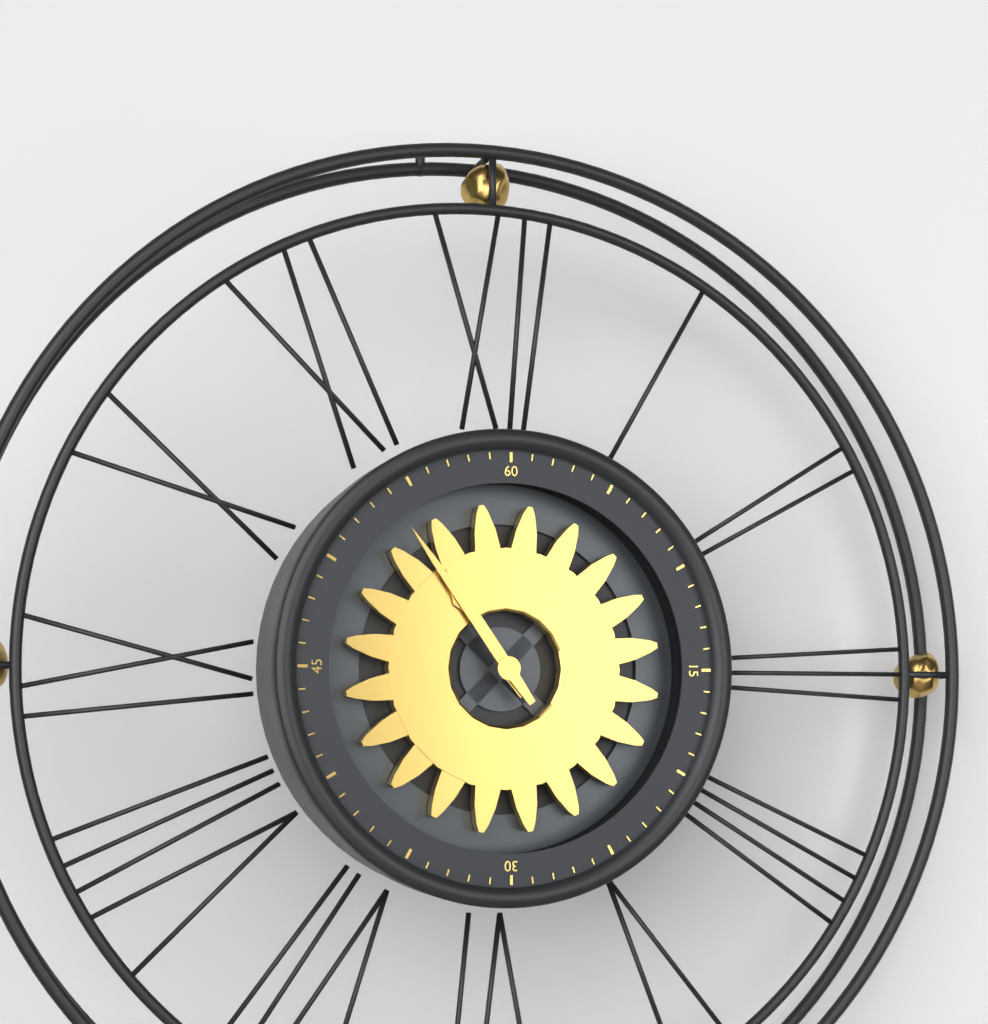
10:54
